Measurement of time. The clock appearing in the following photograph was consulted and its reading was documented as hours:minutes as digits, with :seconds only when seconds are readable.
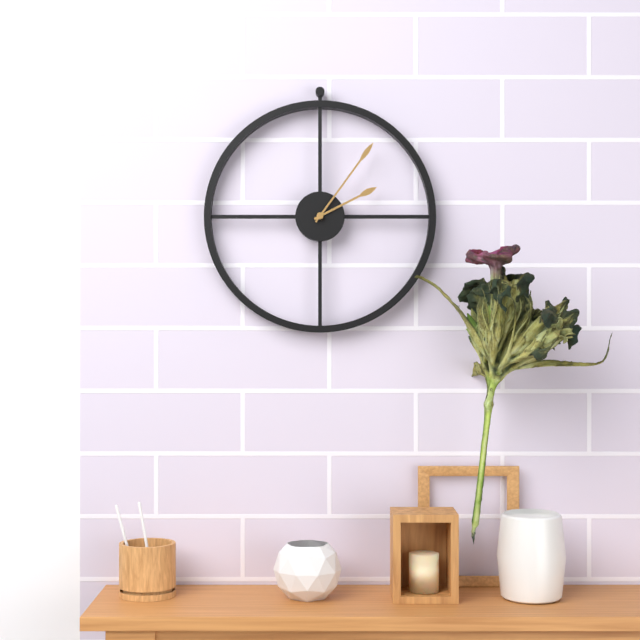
2:06
